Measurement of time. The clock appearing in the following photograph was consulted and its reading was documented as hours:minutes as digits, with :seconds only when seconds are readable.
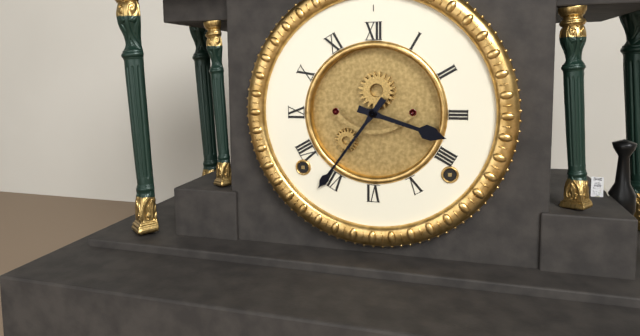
3:36
